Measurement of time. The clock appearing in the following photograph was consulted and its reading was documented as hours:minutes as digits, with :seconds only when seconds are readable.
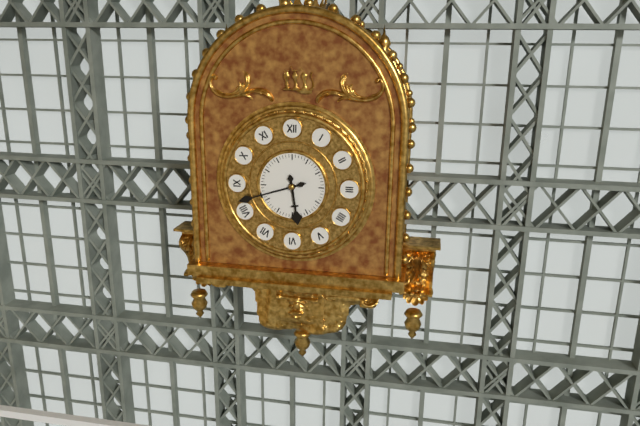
5:42
